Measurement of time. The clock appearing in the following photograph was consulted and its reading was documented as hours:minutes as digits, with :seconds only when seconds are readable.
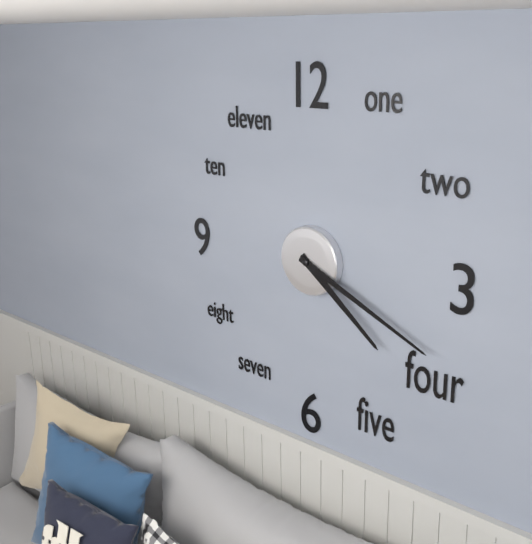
4:19
